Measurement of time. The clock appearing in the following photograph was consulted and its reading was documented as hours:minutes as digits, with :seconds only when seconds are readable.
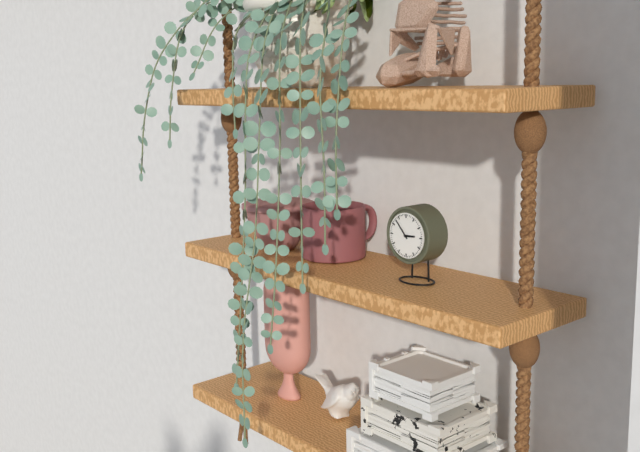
2:53
